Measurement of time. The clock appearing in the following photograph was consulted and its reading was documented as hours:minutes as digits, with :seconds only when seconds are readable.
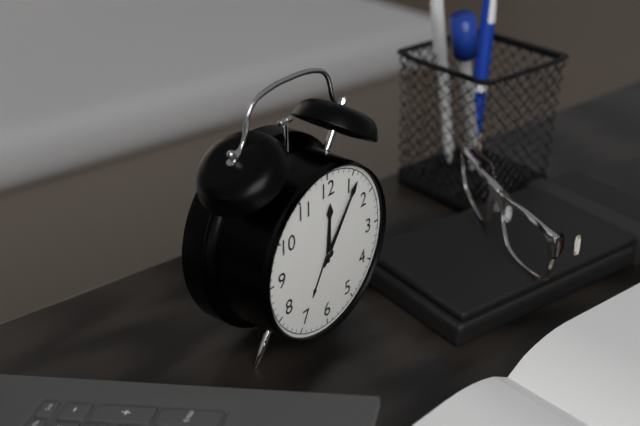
12:06
